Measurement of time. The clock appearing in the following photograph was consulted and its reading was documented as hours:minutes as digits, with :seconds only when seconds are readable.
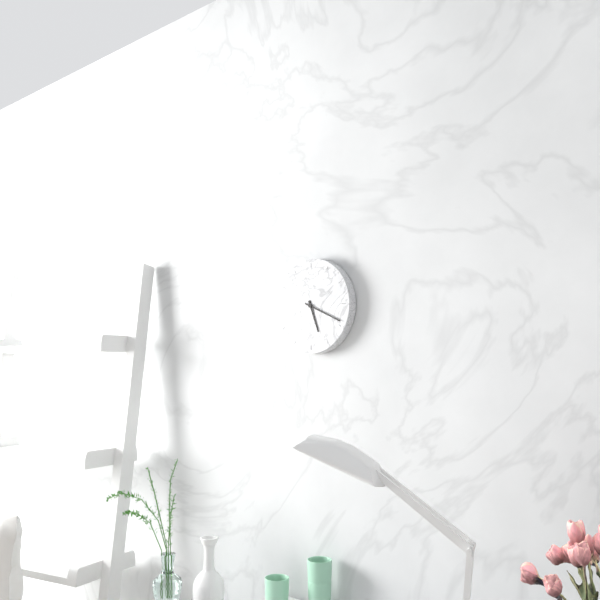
5:19
